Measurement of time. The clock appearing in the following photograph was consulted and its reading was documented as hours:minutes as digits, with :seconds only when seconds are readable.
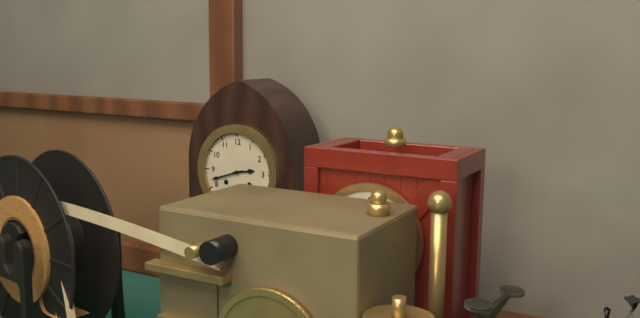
2:42
